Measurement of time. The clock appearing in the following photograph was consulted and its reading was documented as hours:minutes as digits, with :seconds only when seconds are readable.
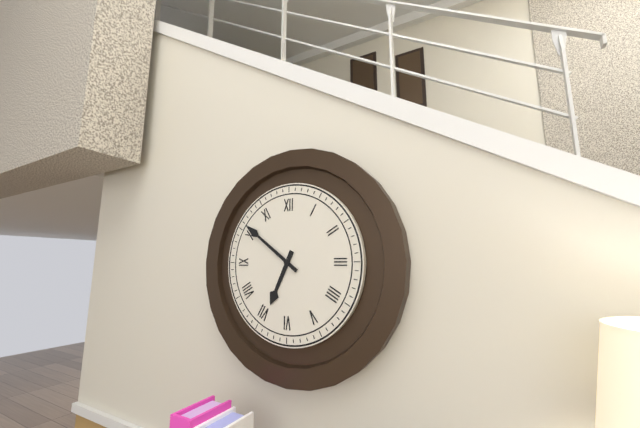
6:51
